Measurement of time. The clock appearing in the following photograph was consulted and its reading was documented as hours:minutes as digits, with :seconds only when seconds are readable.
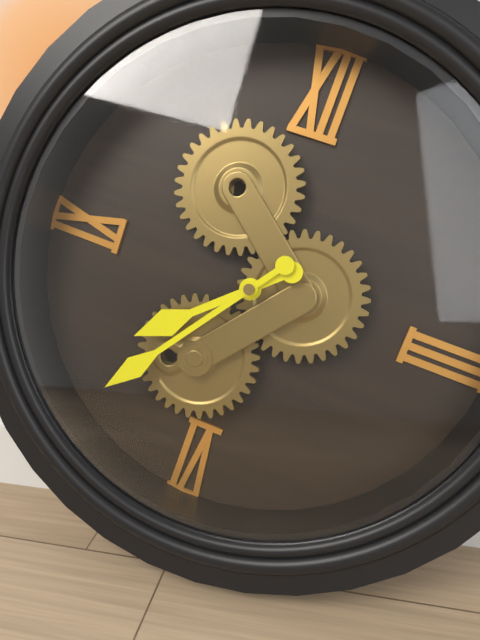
7:36
